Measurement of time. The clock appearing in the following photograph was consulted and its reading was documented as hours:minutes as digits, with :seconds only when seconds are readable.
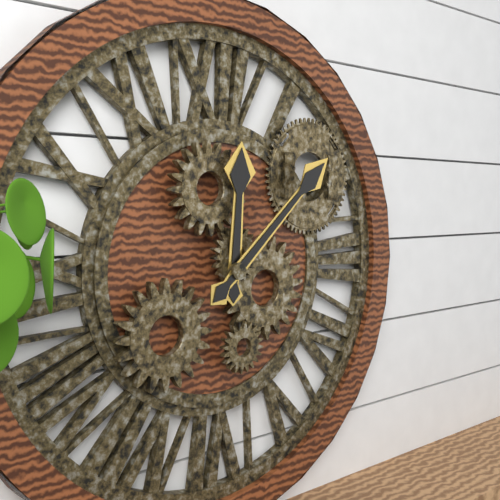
12:08
